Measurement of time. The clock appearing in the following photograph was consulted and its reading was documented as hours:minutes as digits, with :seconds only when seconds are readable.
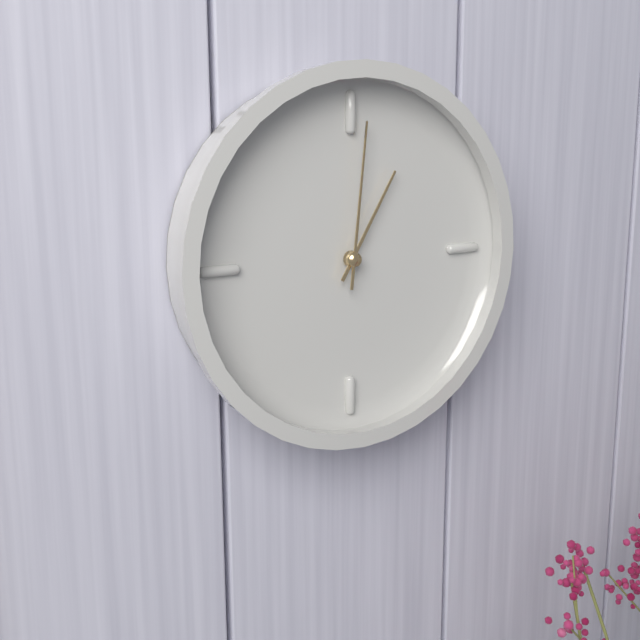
1:01
